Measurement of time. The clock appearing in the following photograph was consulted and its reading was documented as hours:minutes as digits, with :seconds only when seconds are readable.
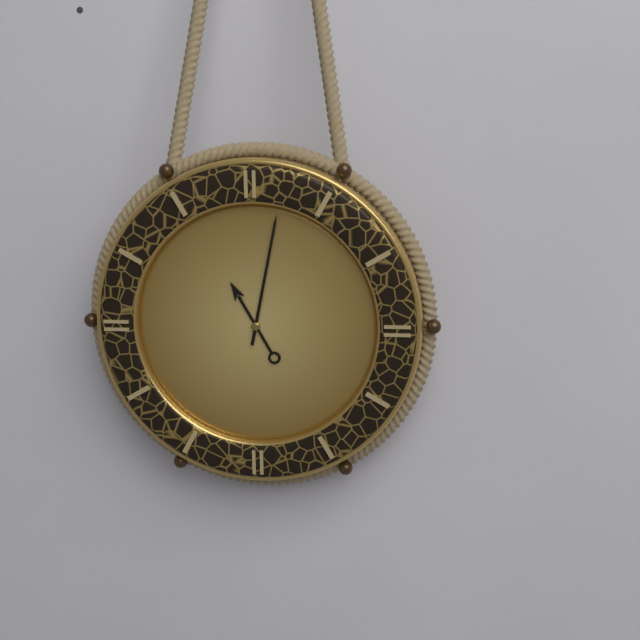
11:02
